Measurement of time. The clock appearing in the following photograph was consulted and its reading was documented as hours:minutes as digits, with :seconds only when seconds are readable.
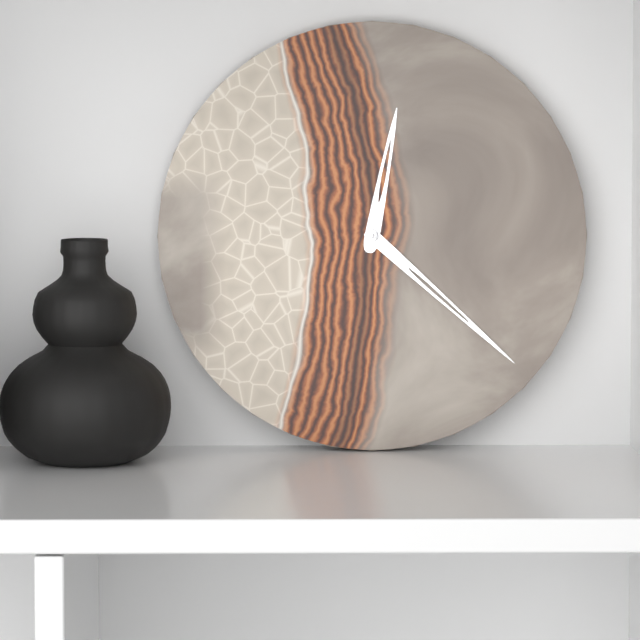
12:22
